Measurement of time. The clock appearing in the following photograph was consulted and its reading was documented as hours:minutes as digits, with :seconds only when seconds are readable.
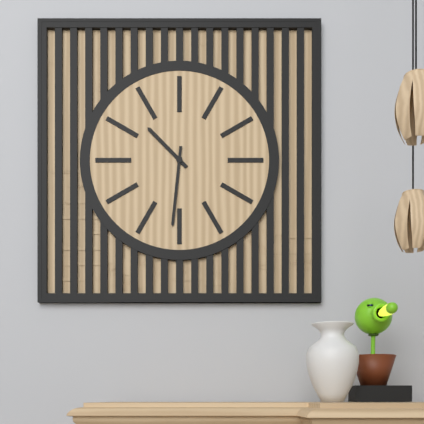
10:31
